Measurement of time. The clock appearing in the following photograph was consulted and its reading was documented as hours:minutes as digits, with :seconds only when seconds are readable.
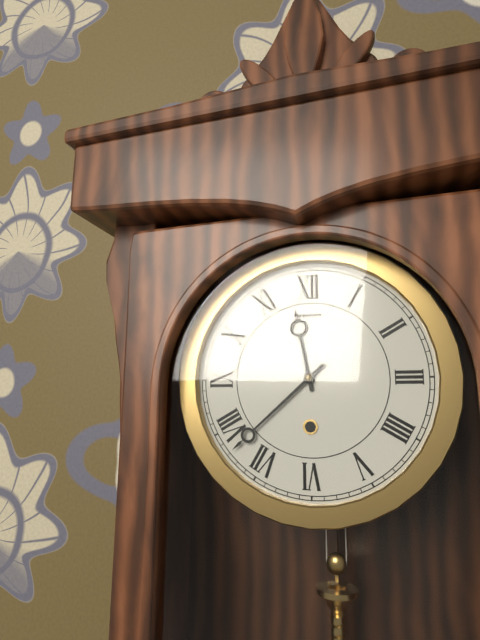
11:38
